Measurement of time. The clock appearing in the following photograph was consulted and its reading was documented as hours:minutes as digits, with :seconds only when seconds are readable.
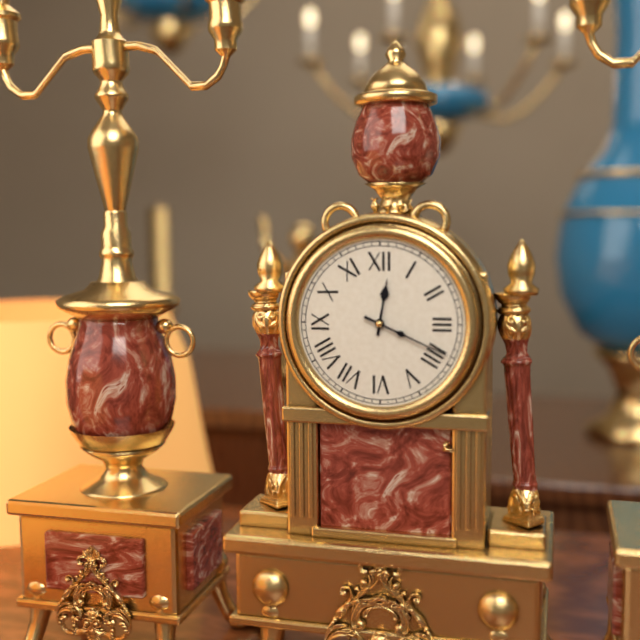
12:19
